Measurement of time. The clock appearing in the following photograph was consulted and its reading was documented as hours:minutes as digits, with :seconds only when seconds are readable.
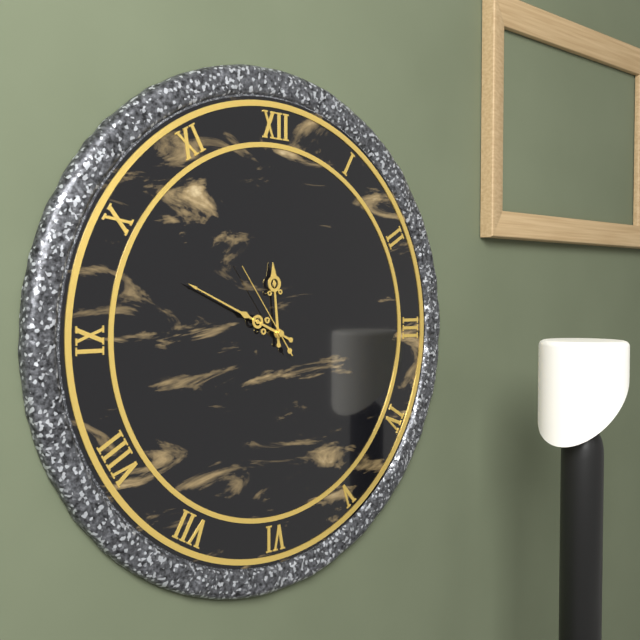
11:49:54
